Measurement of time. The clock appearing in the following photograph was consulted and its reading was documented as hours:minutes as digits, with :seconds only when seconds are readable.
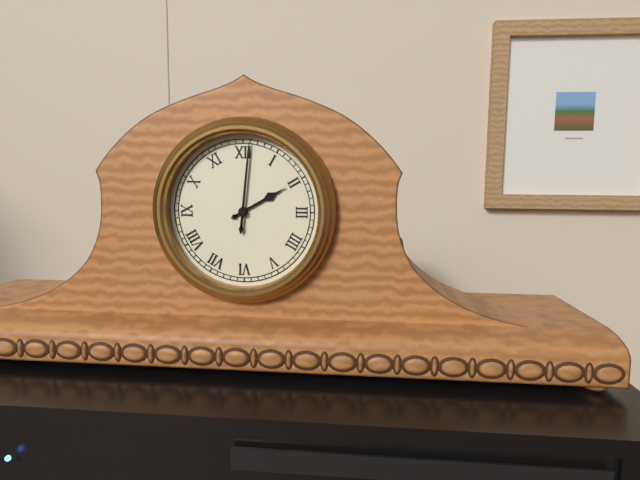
2:01
